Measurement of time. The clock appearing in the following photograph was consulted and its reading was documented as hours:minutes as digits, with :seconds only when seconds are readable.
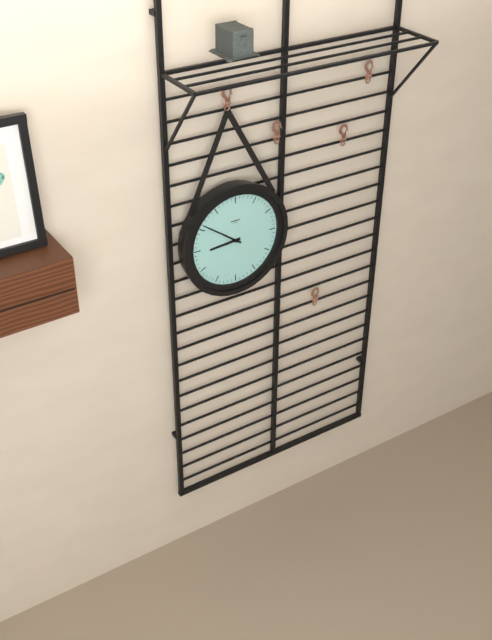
8:51
